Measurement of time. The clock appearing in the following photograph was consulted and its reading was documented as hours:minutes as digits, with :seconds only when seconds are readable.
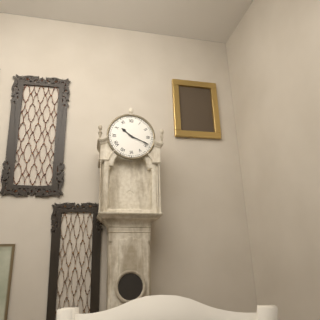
10:19
